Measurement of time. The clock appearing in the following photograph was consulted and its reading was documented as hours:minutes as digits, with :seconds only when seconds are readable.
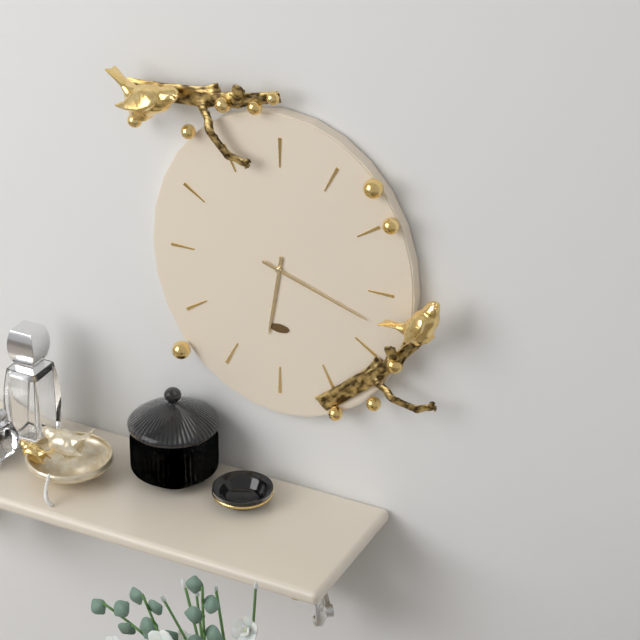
6:18
